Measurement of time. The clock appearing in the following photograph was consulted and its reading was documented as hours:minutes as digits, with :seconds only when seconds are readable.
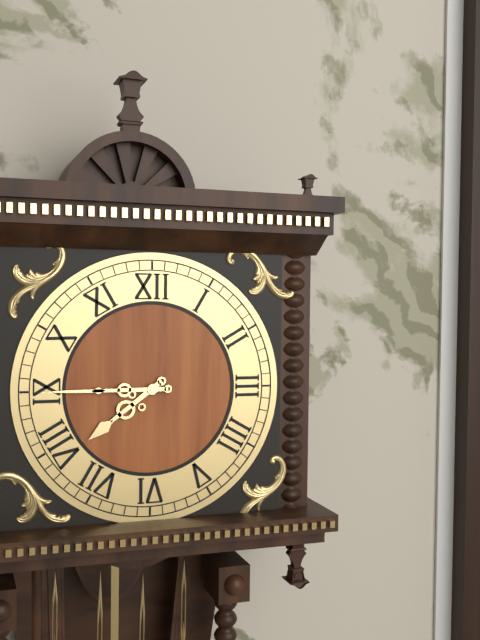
7:45
